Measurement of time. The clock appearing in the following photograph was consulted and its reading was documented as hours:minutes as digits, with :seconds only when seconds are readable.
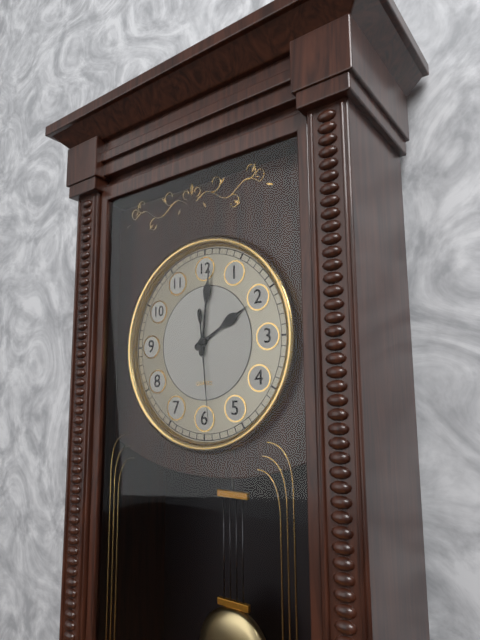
2:01:29
